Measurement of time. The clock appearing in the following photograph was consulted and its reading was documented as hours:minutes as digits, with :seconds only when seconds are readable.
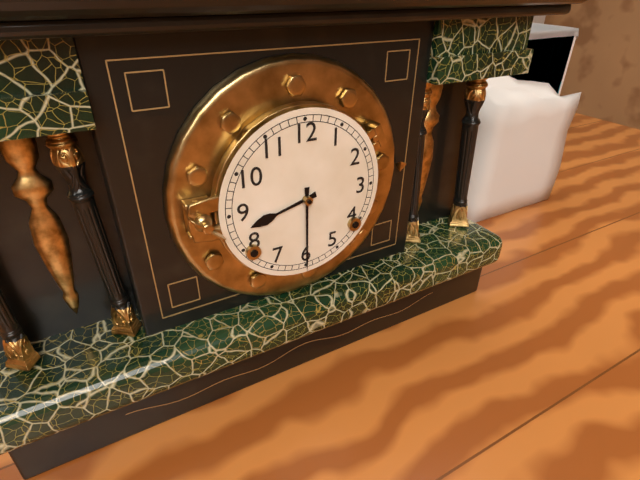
8:30
